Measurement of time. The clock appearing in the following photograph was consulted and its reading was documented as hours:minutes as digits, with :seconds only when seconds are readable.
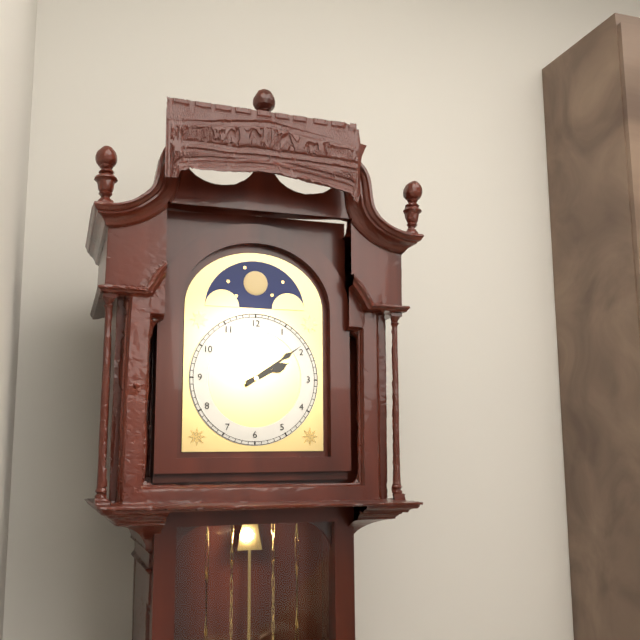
2:09
